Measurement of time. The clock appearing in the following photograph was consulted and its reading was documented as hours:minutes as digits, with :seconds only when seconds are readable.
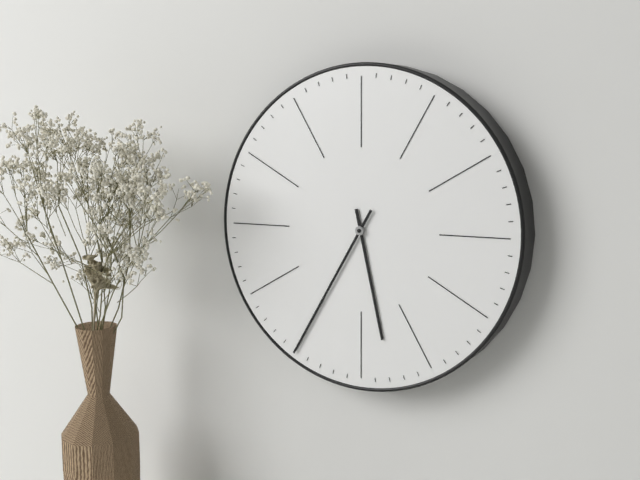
5:35
